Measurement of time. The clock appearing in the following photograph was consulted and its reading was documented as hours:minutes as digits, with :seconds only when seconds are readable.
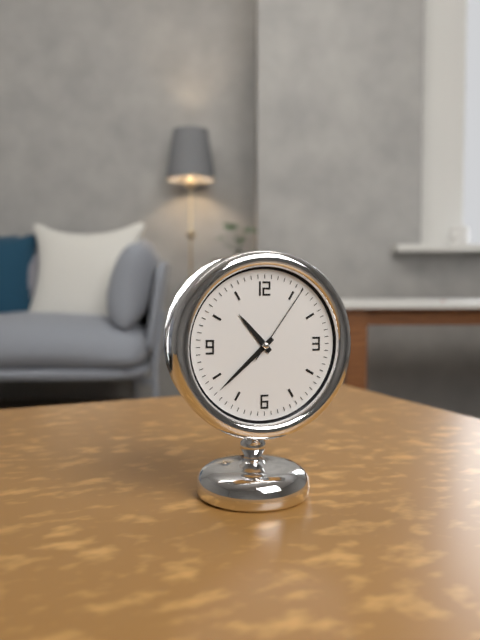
10:38:06
